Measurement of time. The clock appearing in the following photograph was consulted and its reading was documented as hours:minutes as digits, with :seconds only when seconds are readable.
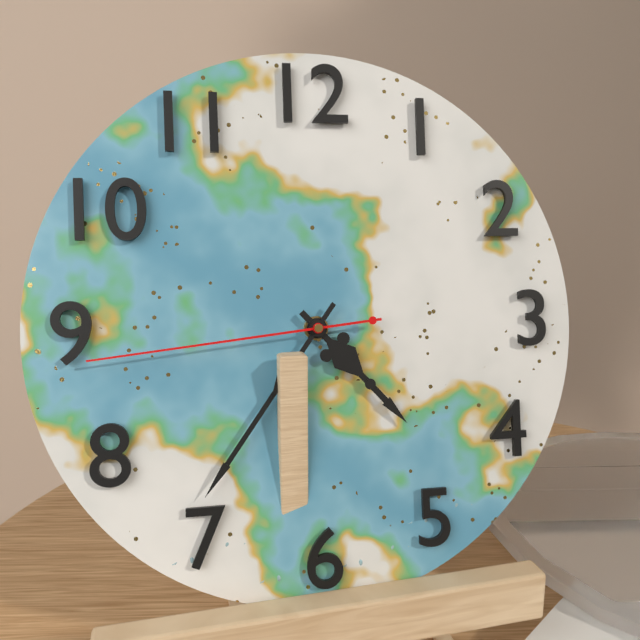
4:36:44
